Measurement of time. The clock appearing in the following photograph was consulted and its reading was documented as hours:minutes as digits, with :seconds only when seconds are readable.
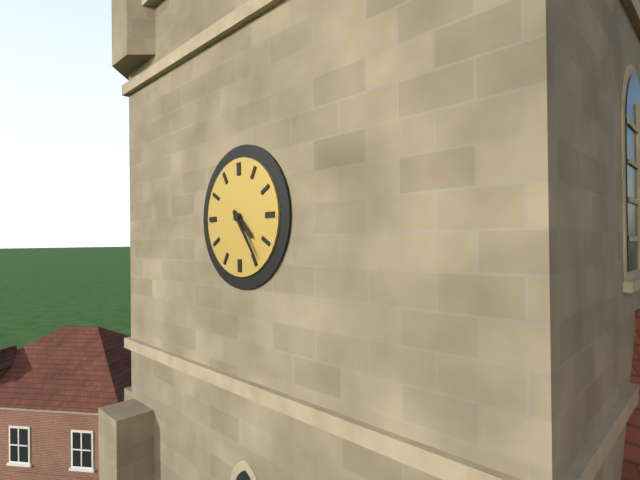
4:24
